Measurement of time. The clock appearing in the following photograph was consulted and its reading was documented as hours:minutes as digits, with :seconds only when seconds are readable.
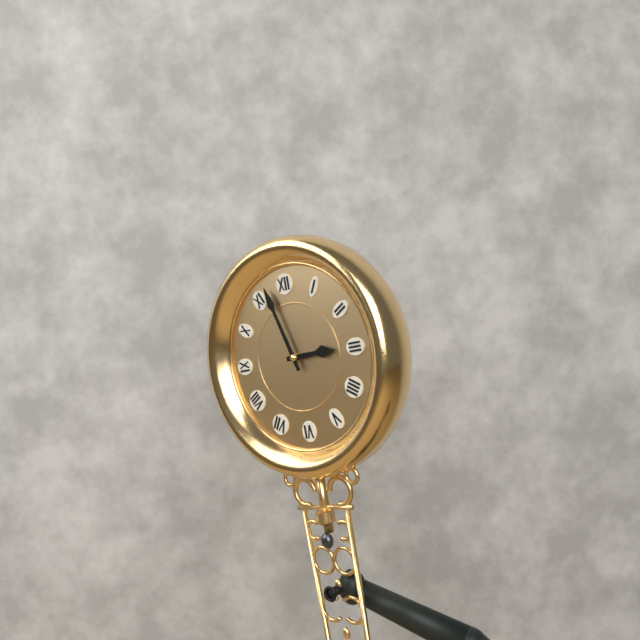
2:57
